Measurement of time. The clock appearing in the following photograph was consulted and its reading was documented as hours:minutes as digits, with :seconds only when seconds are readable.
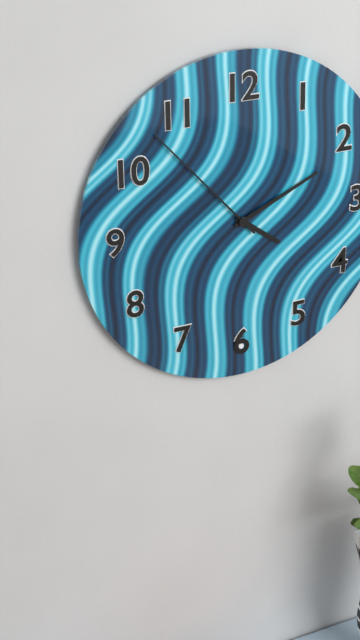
4:11:53
